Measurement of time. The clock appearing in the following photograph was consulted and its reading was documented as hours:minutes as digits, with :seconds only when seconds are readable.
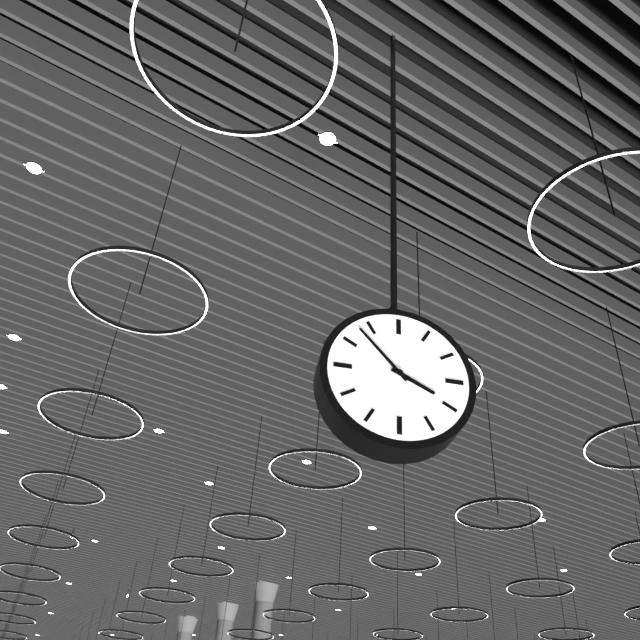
3:53
